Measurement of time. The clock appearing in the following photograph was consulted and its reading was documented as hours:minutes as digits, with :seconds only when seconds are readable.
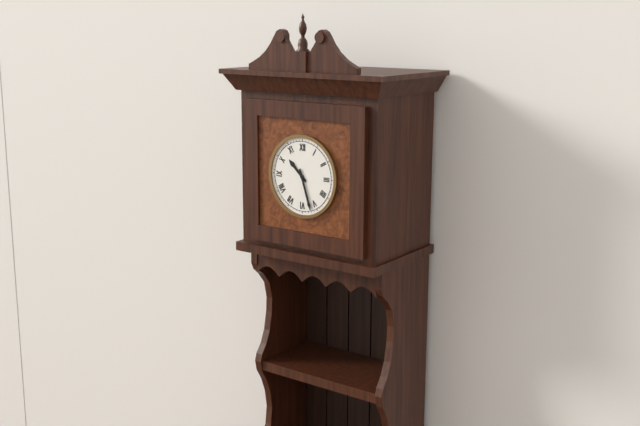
10:27
